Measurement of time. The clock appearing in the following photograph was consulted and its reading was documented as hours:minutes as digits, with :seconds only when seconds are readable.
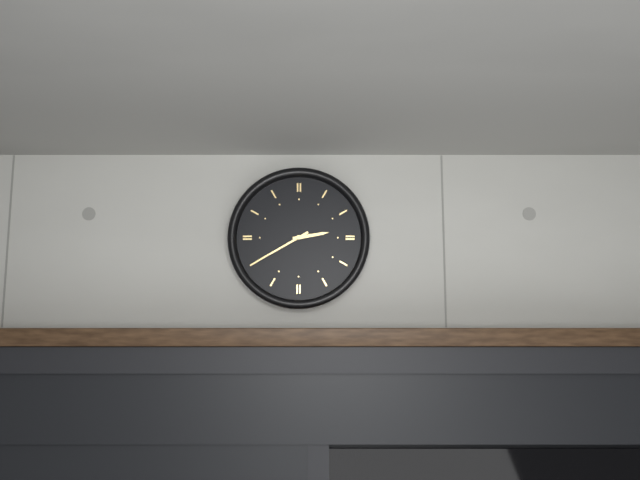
2:40
